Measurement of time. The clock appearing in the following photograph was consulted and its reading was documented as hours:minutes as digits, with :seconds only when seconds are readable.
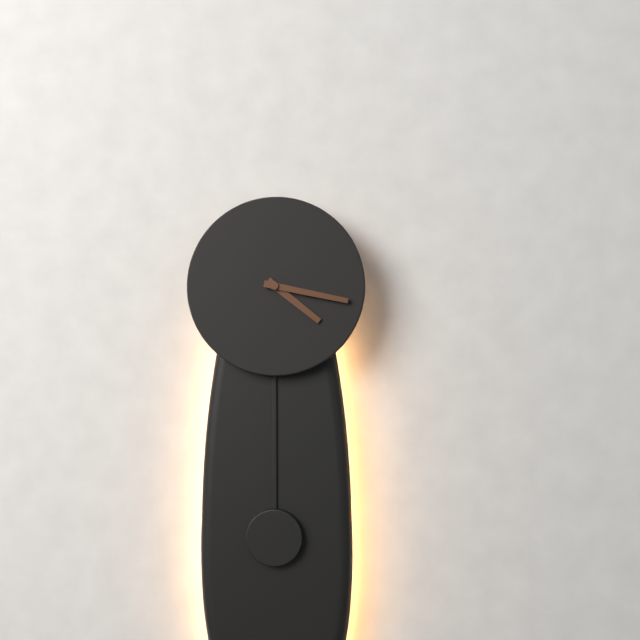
4:17
